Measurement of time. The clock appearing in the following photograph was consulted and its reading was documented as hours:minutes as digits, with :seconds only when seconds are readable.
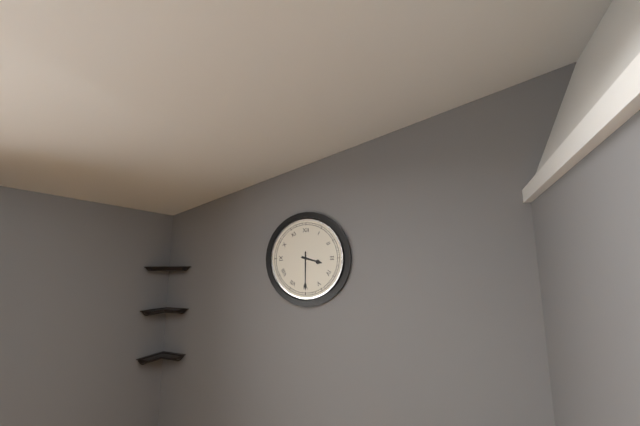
3:30
